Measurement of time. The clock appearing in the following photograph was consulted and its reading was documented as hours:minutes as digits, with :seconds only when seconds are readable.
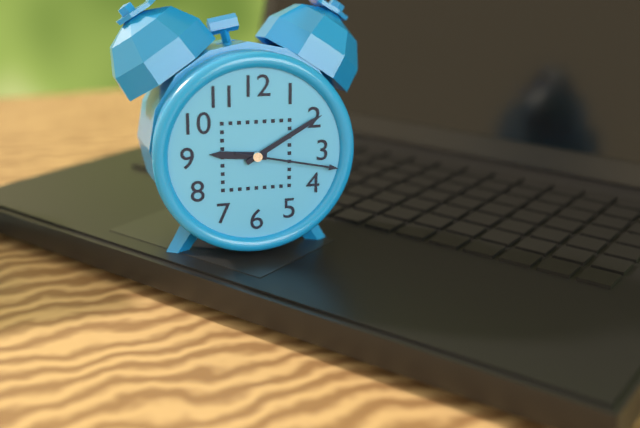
9:10:17
